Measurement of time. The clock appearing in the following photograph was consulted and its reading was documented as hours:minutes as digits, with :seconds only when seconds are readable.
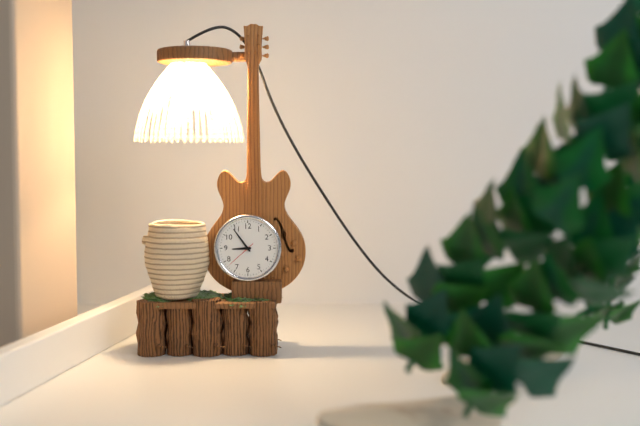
8:54
